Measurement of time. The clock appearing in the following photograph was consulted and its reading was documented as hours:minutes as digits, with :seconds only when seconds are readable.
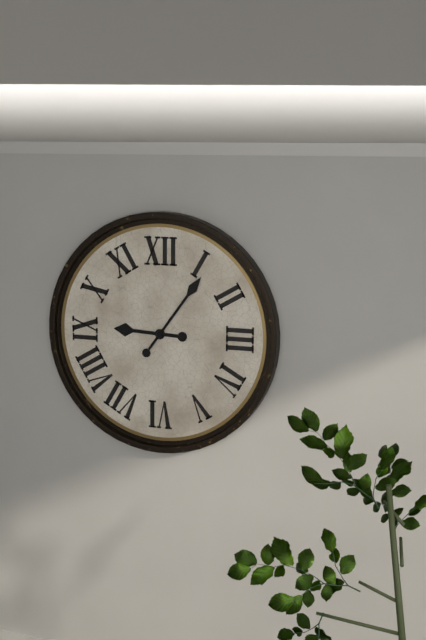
9:06
